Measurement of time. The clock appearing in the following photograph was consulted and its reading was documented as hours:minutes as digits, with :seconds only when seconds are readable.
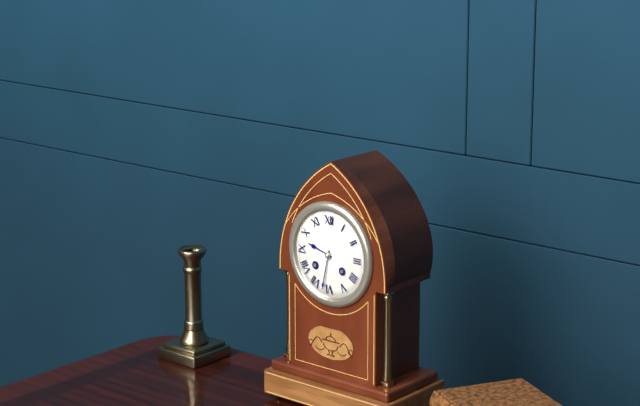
9:32
